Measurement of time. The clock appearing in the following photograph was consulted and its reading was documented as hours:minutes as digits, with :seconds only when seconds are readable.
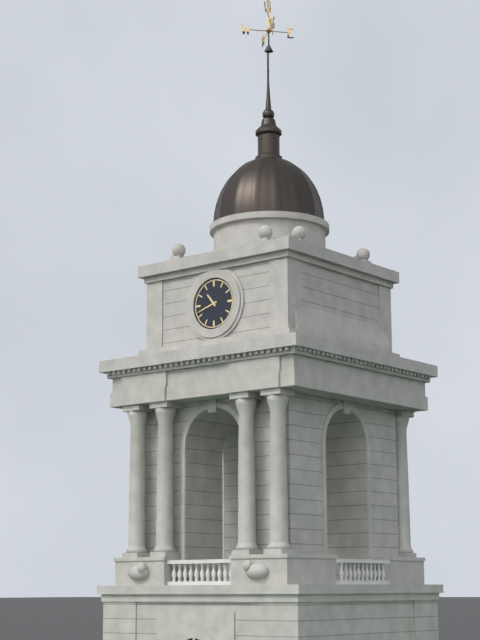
10:42
